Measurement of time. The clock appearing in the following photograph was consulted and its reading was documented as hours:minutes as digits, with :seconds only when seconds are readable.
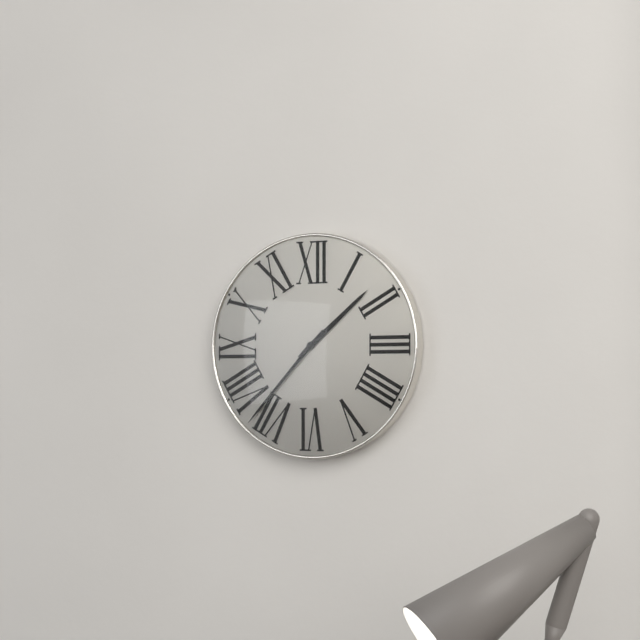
1:37
